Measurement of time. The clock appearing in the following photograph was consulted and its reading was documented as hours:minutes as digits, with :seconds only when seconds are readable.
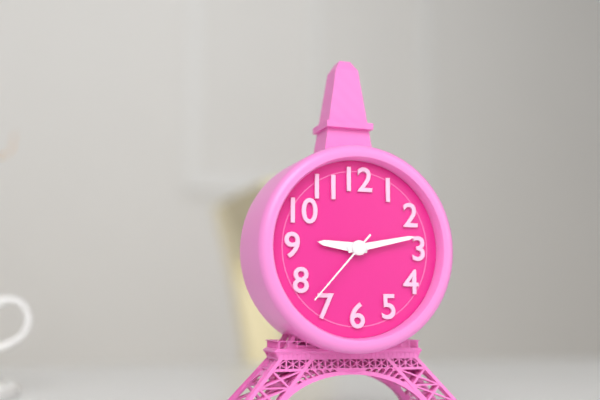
9:13:37
